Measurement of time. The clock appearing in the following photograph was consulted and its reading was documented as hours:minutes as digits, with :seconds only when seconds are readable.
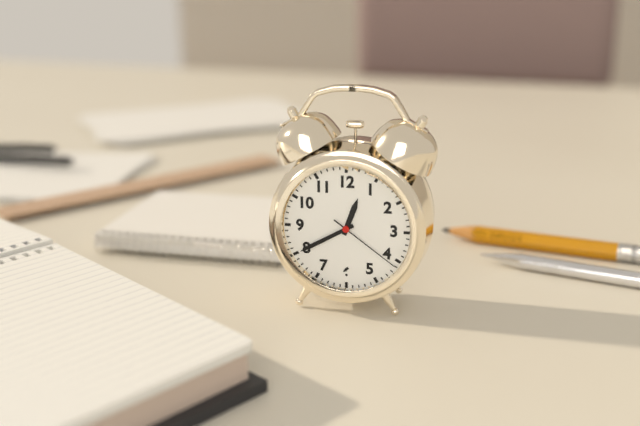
12:40:21
